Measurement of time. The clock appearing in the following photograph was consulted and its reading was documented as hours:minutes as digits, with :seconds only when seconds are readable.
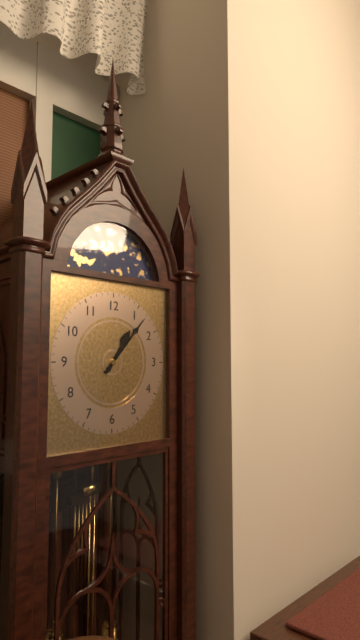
1:07
